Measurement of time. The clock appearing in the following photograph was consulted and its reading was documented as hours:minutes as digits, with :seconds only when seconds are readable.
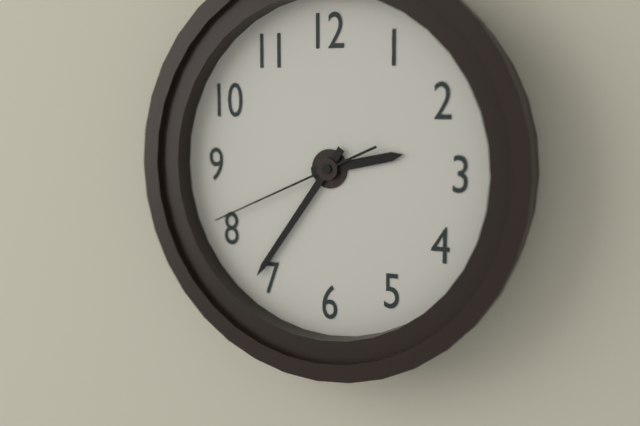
2:36:41
